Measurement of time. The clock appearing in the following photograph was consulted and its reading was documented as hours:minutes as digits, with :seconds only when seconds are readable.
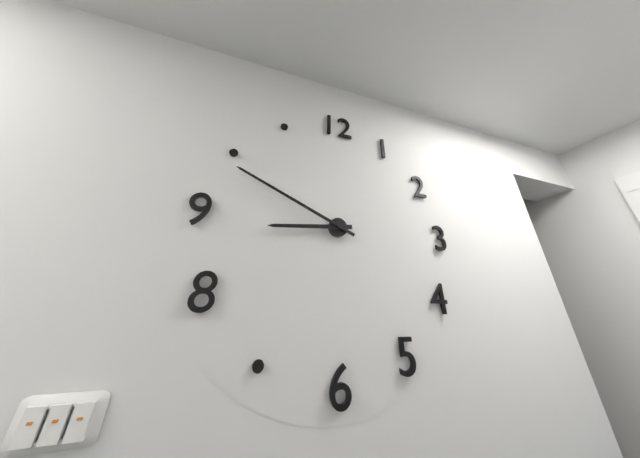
8:49
